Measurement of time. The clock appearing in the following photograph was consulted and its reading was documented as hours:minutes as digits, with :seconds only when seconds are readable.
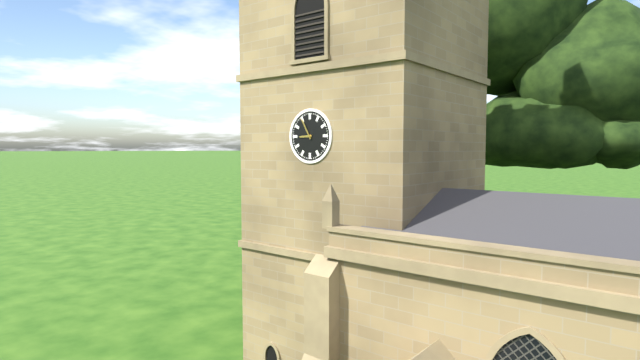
8:55
